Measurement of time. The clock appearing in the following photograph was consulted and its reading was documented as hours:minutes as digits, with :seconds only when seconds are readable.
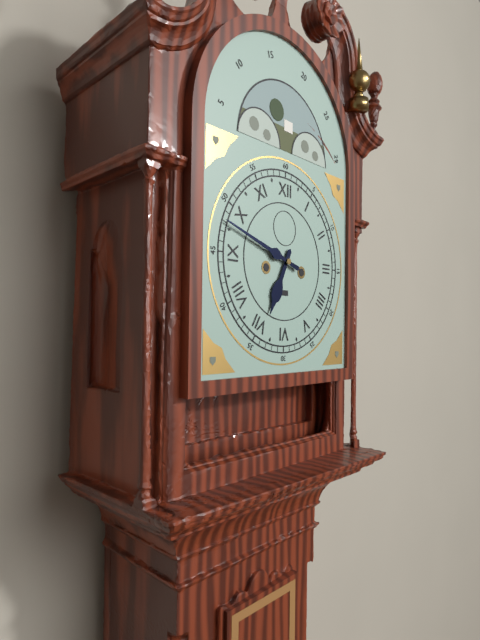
6:48
